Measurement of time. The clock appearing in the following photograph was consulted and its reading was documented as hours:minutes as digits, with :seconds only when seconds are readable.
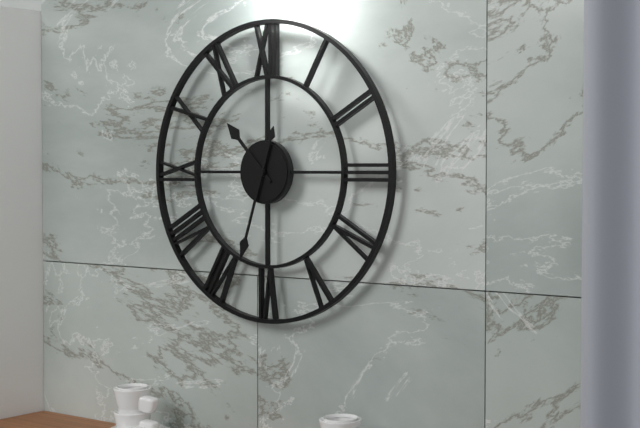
10:33
